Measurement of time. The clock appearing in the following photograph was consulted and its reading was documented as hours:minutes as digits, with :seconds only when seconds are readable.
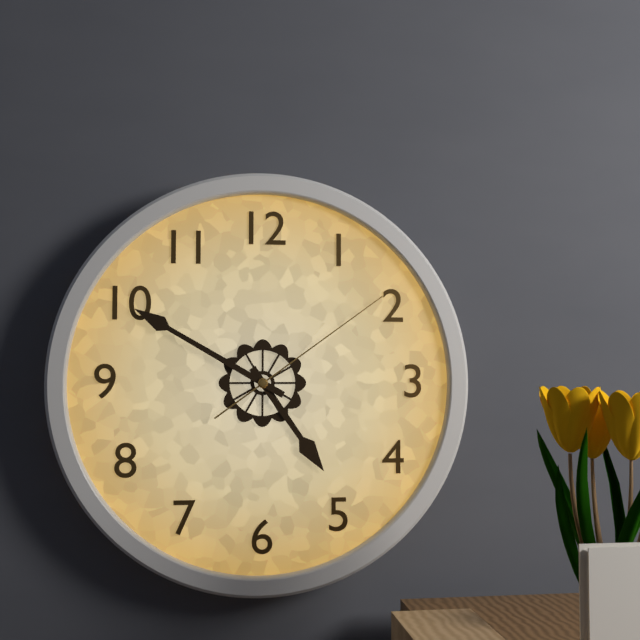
4:50:09
